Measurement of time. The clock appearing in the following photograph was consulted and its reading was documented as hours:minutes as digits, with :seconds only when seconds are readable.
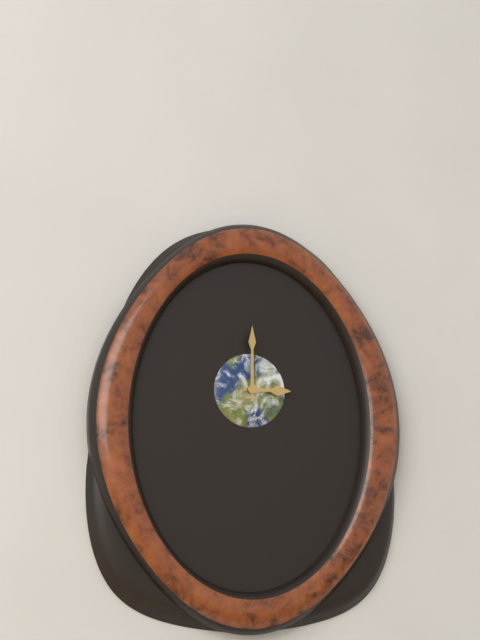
3:00
